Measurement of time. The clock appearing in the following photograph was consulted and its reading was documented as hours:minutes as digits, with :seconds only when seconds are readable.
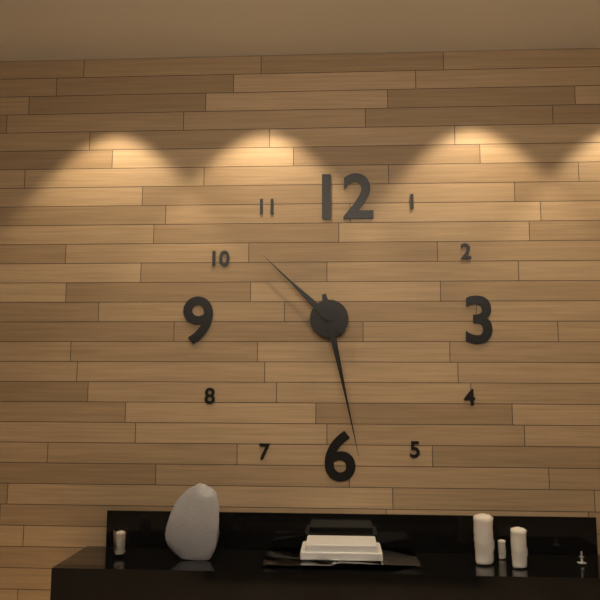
10:28
